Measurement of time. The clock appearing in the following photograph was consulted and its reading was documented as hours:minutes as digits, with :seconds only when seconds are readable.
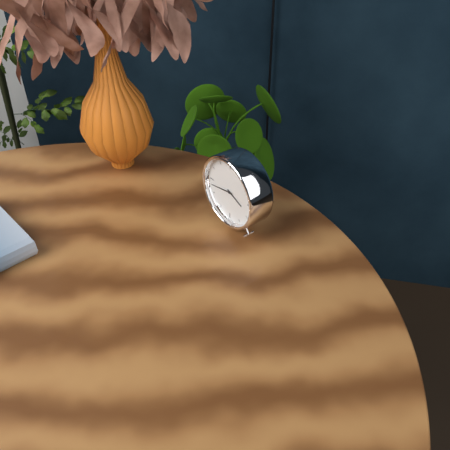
3:43
